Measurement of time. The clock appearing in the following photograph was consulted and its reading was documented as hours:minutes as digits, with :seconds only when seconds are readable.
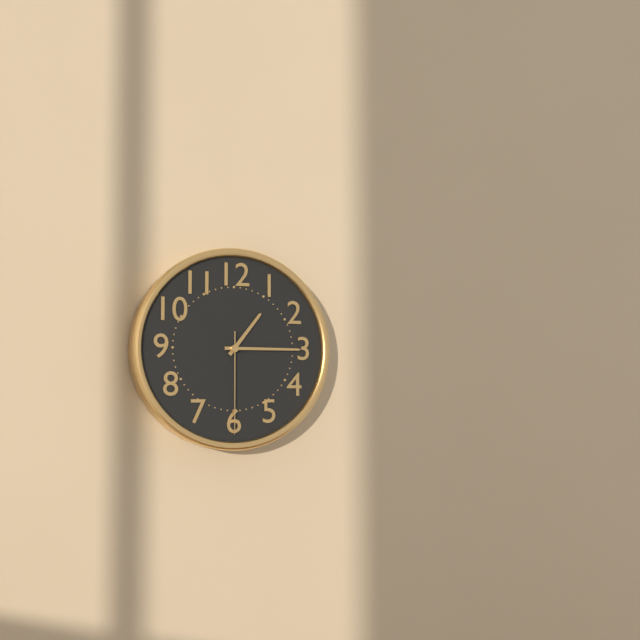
1:15:30
